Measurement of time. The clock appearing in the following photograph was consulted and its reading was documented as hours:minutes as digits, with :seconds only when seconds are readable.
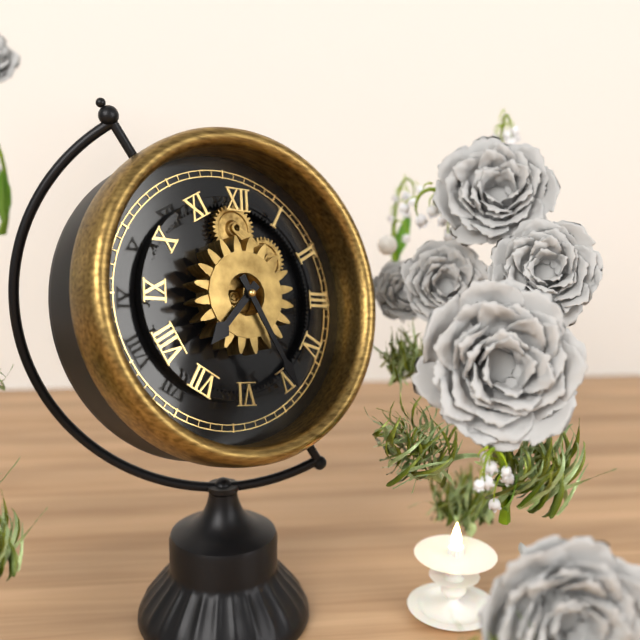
7:25
